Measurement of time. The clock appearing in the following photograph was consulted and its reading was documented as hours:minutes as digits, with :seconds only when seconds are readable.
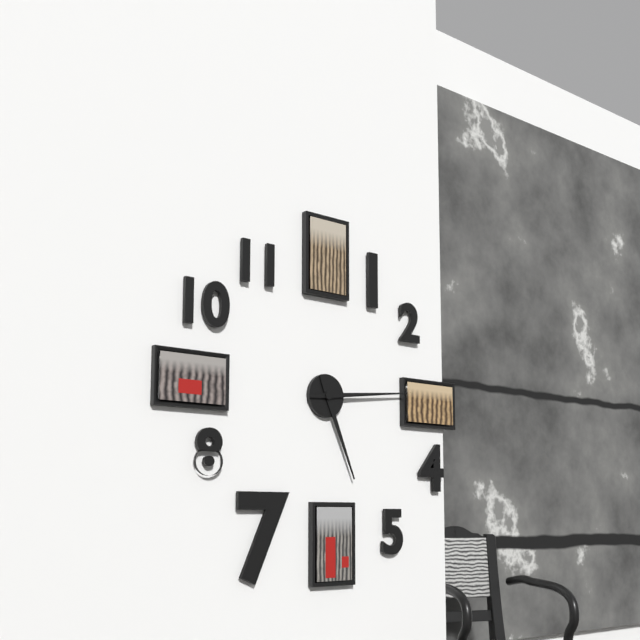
5:14
